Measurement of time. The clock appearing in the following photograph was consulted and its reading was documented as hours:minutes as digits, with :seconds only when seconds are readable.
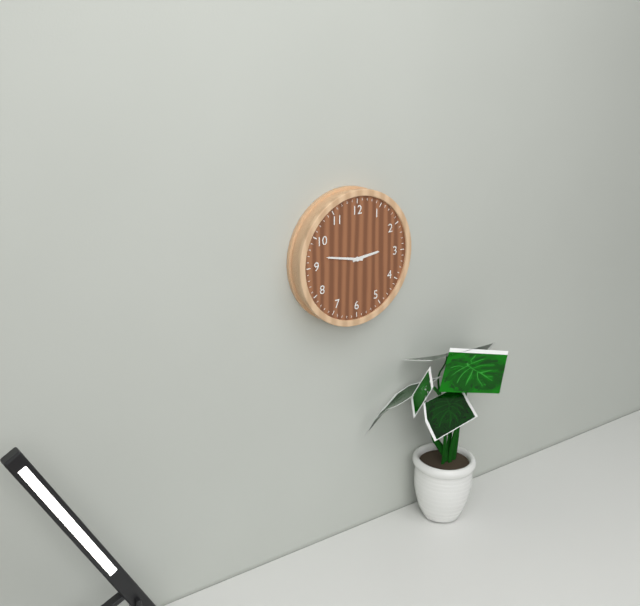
2:47
